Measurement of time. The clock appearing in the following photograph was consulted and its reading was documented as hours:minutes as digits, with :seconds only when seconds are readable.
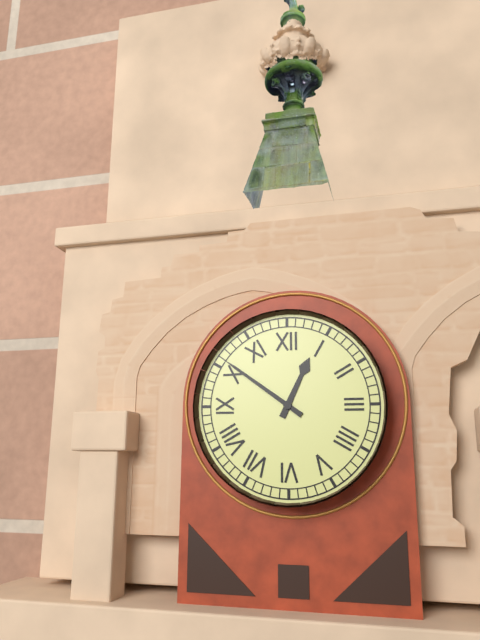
12:51
